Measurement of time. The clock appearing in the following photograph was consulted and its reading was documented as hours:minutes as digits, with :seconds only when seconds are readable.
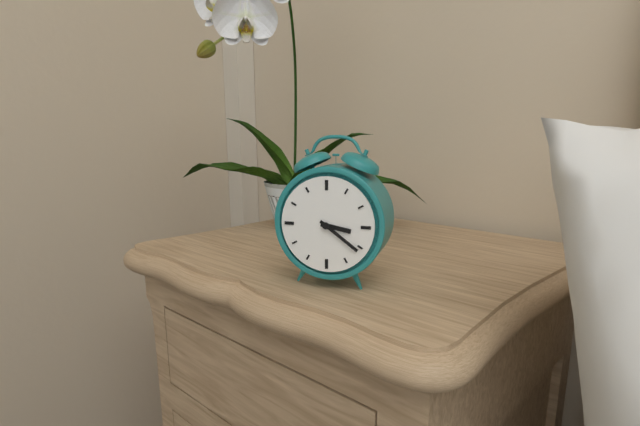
3:21
